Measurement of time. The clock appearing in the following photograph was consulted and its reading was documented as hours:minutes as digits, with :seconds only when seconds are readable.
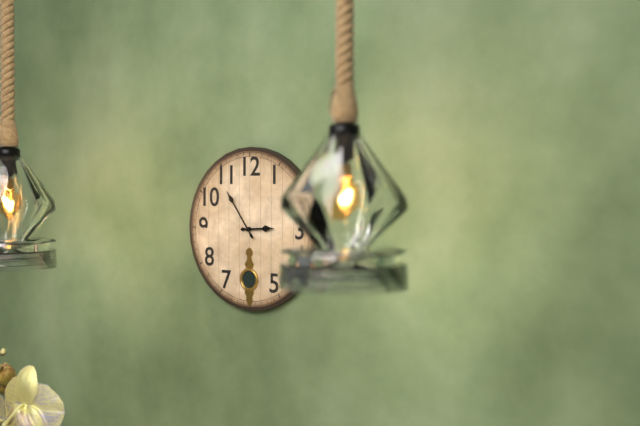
2:54
